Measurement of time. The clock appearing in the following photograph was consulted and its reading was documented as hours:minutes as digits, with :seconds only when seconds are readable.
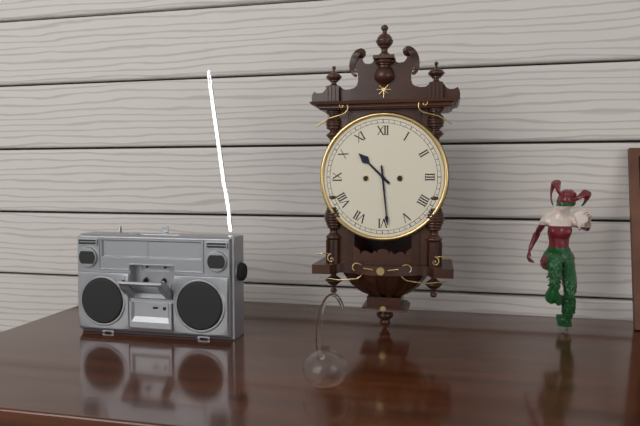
10:29
